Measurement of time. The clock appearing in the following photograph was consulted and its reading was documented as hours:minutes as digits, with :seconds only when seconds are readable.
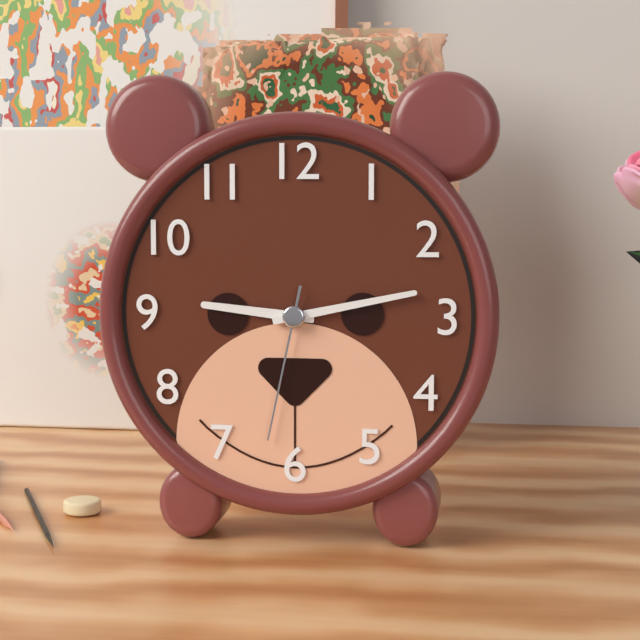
9:13:32
